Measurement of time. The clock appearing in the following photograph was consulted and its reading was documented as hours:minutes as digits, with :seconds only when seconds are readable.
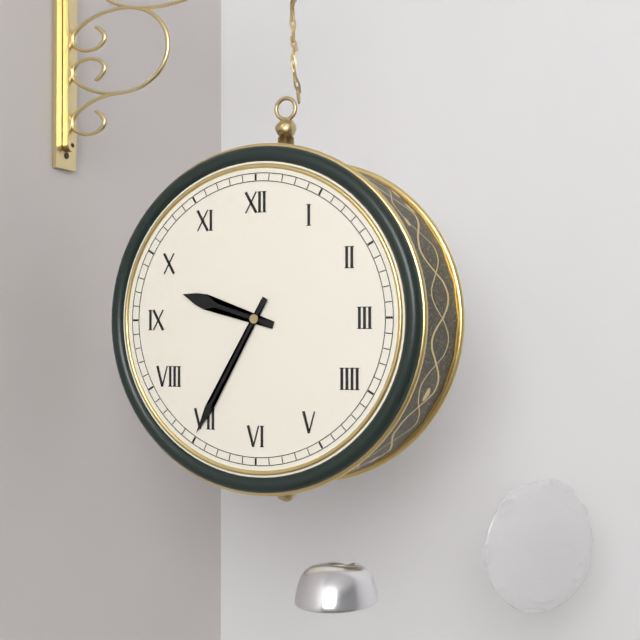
9:35
